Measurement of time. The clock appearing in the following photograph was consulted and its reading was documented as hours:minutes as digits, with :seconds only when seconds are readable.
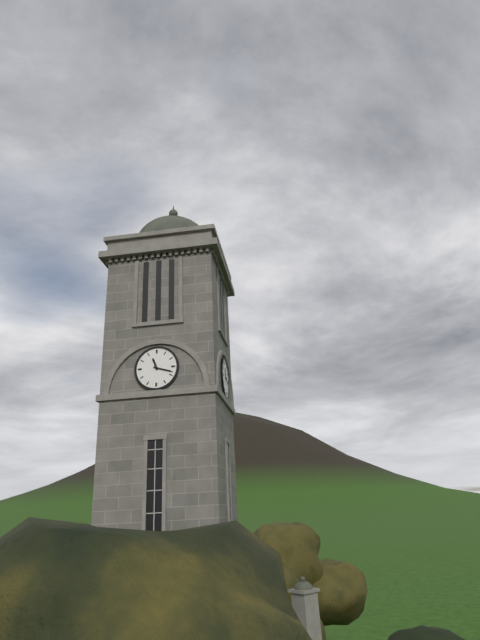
11:18
